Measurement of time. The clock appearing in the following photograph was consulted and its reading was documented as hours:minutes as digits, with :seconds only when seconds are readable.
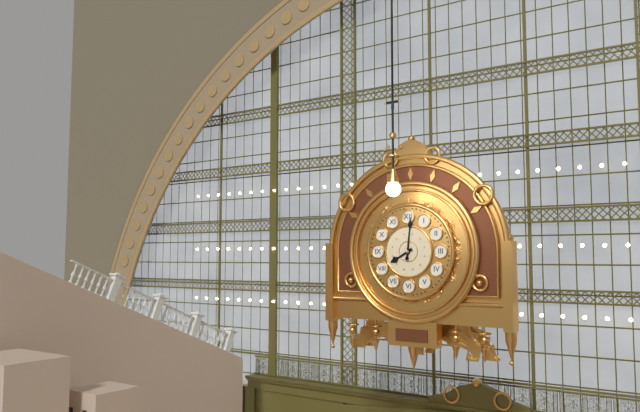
8:01
